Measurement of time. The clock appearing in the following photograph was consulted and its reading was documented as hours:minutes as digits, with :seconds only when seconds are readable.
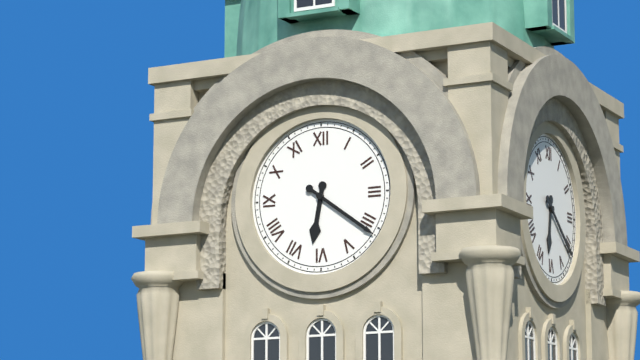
6:21
